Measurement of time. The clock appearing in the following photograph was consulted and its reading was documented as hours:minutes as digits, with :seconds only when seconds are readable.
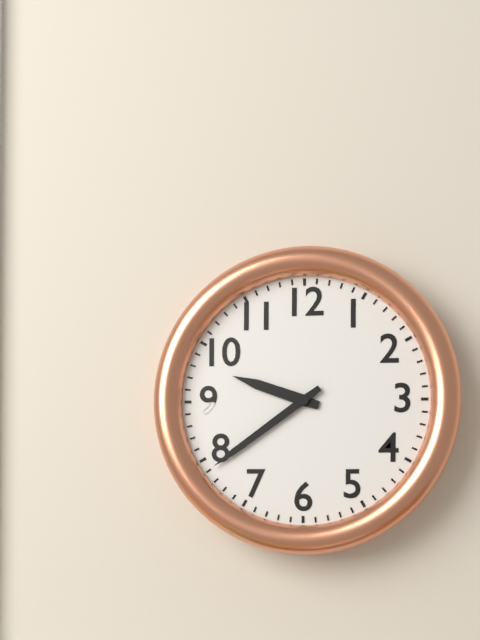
9:39
